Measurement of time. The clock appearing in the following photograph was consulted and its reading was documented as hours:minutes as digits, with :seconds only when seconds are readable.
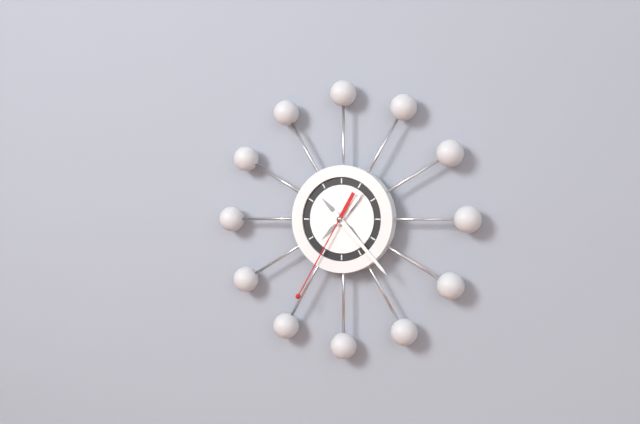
1:23:35
